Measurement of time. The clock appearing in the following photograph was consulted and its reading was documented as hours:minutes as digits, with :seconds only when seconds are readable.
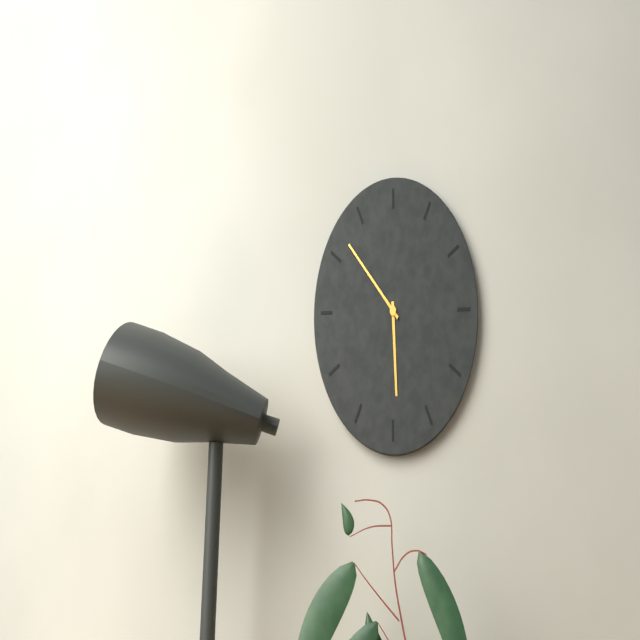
5:52
